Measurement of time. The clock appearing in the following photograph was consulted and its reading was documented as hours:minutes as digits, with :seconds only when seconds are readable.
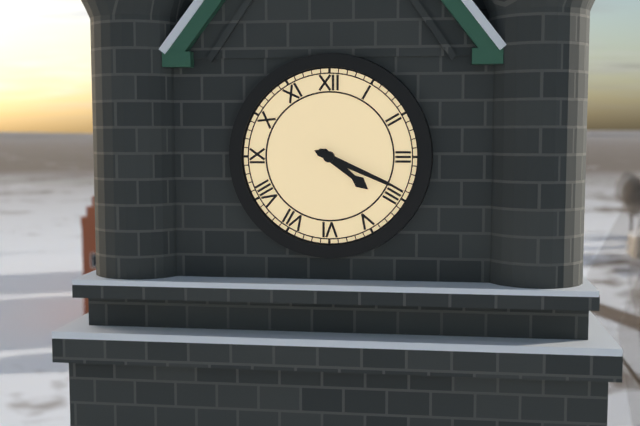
4:19
